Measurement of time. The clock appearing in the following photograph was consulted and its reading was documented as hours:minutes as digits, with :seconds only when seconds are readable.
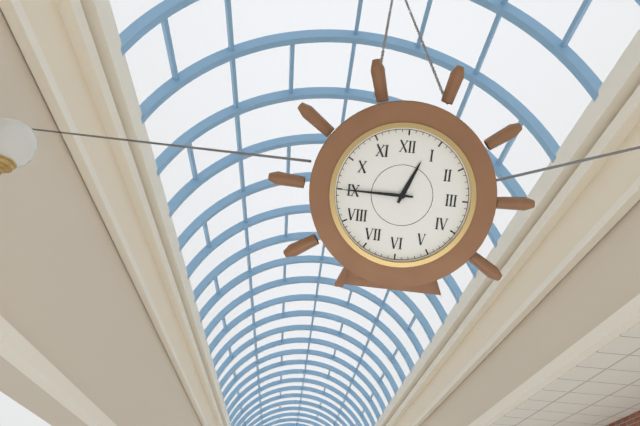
12:45
